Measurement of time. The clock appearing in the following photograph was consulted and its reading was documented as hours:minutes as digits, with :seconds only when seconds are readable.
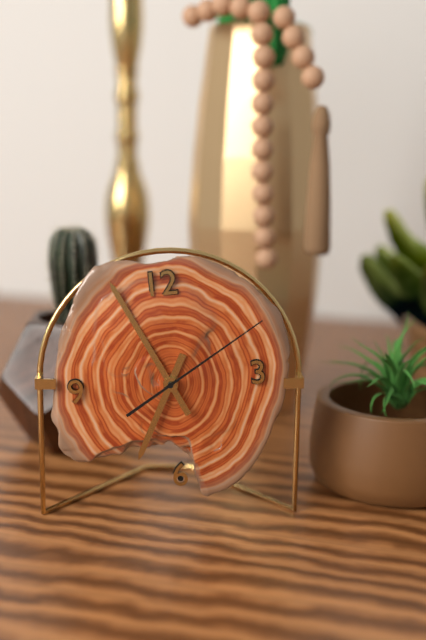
6:56:10
